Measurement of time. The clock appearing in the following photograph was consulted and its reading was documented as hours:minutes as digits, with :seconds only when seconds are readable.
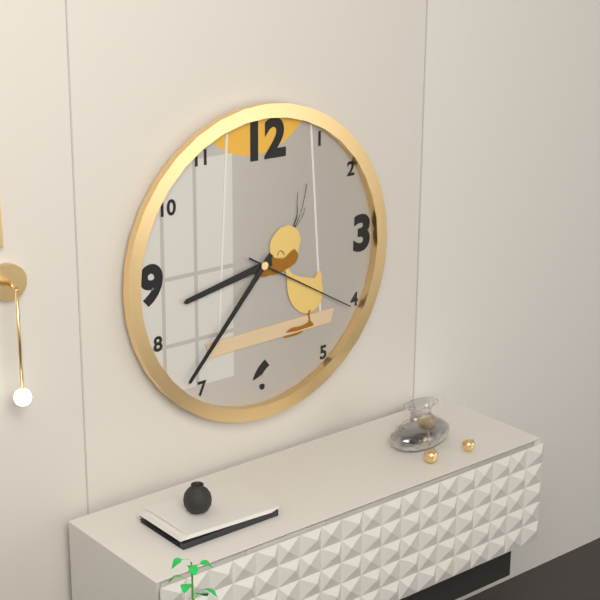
8:37:20
